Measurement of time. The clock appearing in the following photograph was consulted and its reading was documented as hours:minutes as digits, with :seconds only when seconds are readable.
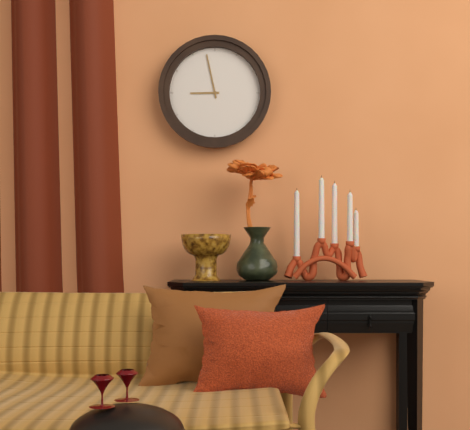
8:58
